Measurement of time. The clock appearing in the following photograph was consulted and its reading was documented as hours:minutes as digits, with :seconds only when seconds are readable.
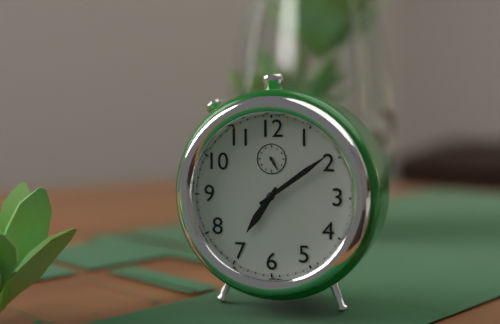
7:09
